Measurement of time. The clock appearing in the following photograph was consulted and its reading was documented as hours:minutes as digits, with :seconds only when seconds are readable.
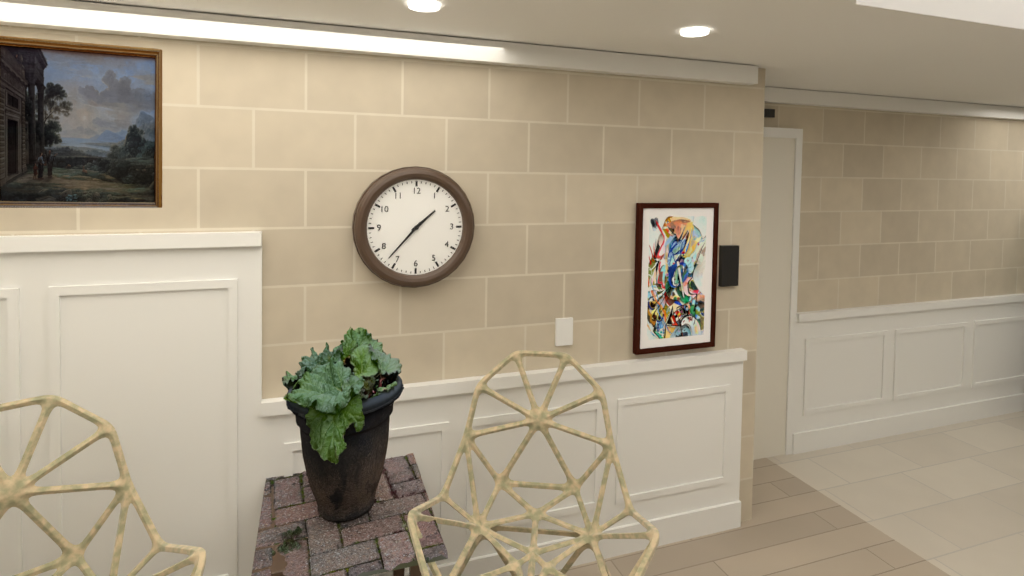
1:37
